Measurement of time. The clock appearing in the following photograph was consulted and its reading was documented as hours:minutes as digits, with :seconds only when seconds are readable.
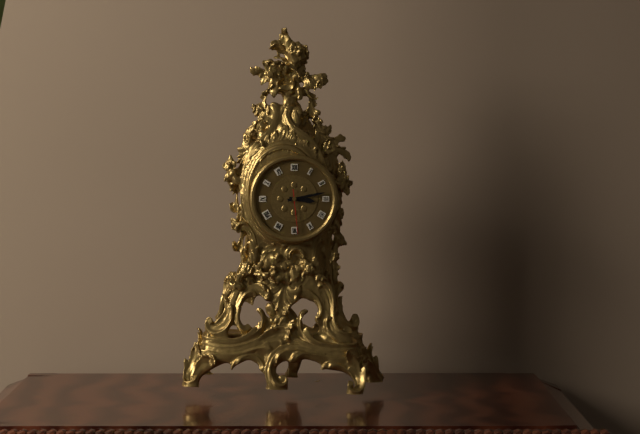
3:13
